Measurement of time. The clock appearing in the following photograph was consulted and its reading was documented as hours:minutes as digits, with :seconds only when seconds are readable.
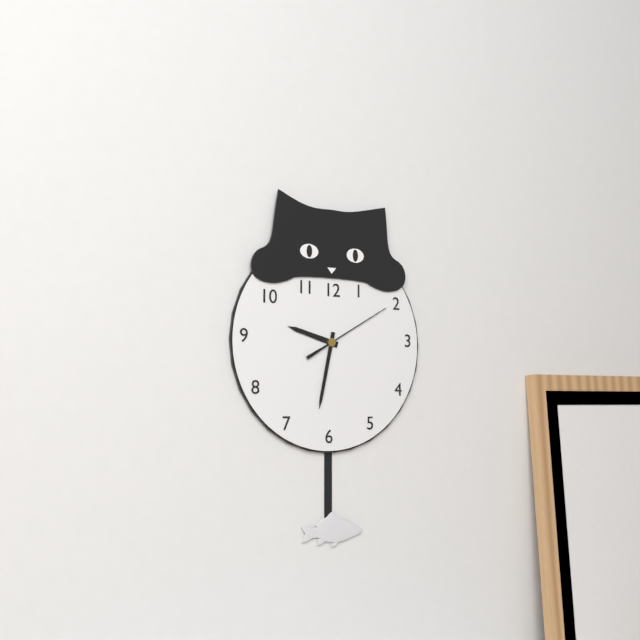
9:32:10
